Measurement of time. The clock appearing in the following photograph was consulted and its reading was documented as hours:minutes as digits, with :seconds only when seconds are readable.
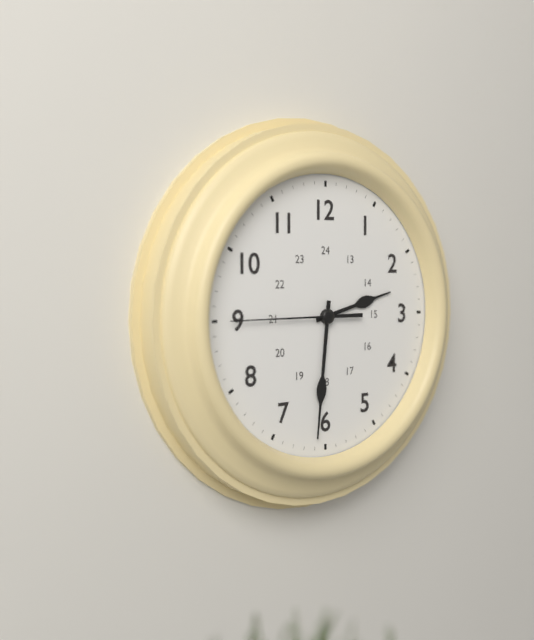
2:31:45
